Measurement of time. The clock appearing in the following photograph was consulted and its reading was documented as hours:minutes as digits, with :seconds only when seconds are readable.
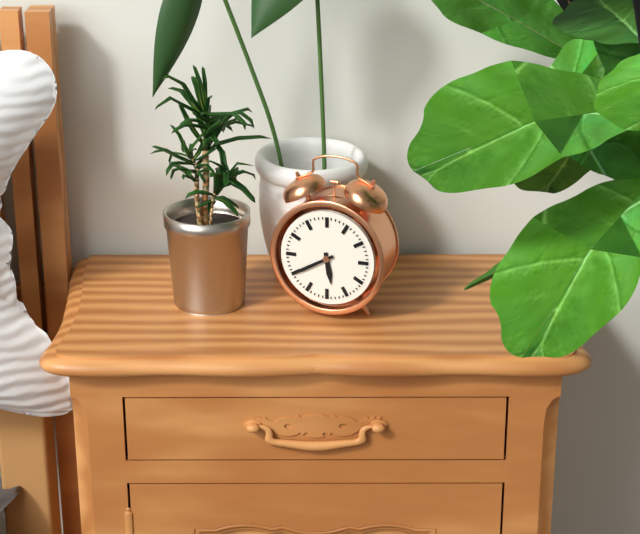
5:40
